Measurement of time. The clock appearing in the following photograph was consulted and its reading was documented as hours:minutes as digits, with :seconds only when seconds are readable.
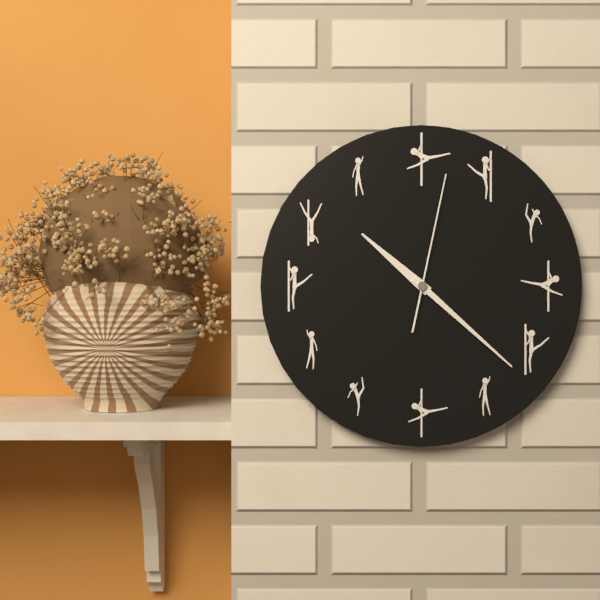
10:22:02
